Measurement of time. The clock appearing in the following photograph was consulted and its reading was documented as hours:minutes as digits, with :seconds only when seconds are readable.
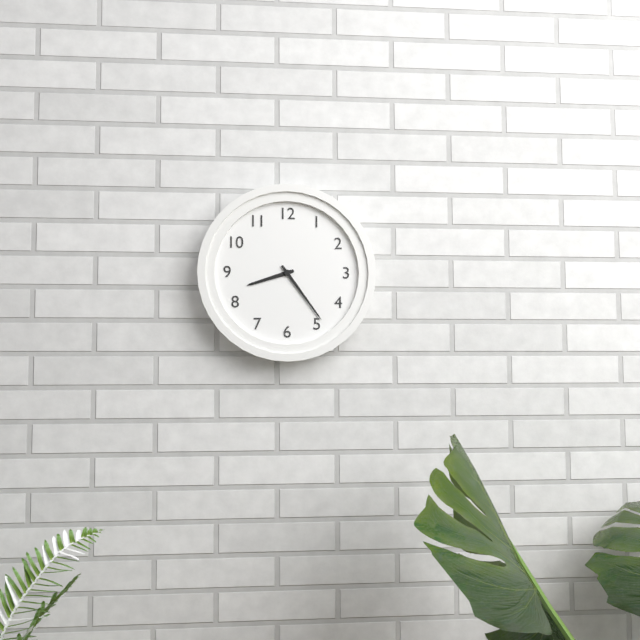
8:24
